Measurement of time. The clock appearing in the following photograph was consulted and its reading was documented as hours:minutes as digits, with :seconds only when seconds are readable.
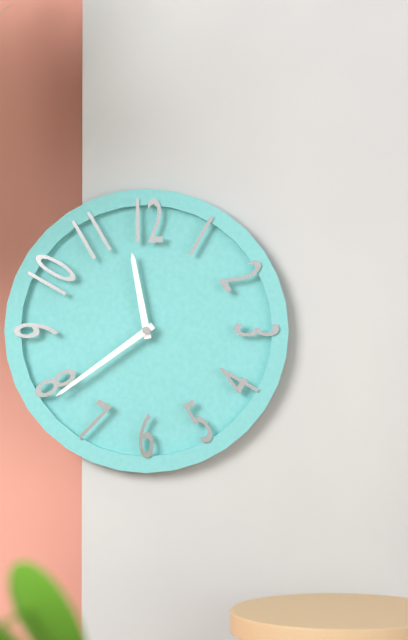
11:39
